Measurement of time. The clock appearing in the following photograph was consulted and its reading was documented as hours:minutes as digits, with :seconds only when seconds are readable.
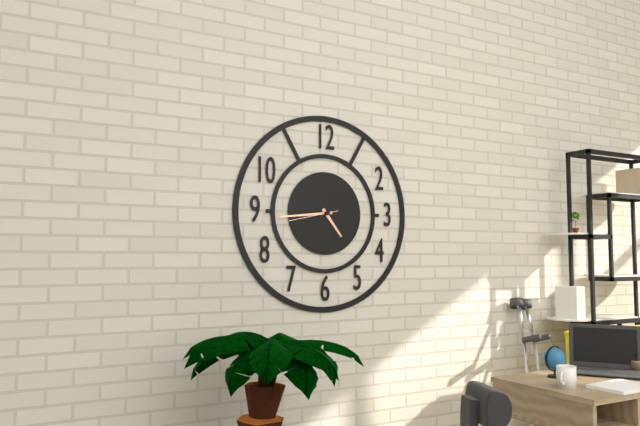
4:44:43
